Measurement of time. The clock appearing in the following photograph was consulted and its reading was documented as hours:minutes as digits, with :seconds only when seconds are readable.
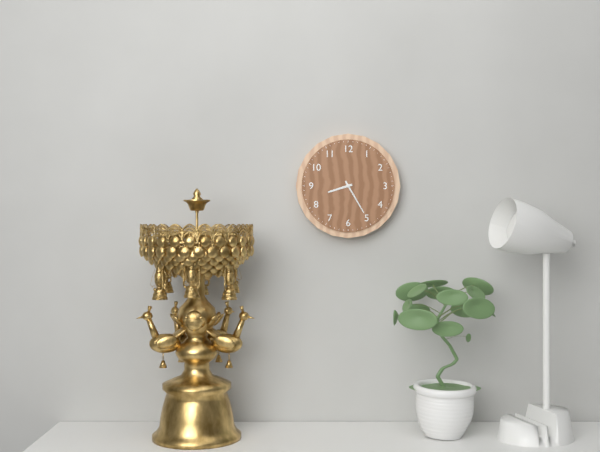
8:25
